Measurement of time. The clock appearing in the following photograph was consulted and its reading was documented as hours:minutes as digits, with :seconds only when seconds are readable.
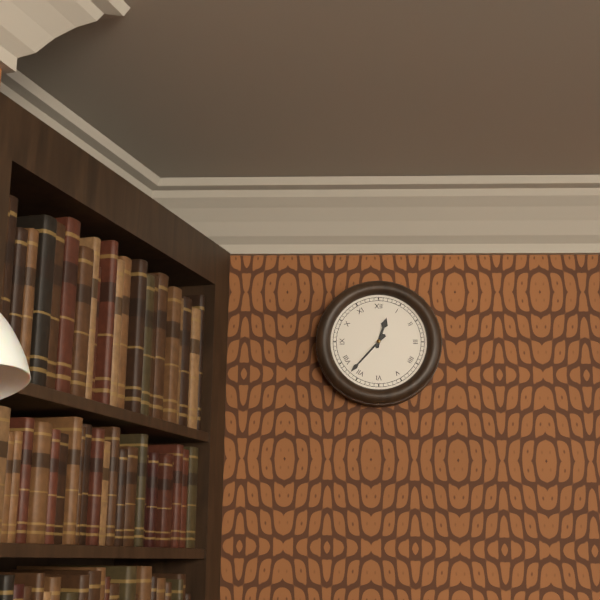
12:37
